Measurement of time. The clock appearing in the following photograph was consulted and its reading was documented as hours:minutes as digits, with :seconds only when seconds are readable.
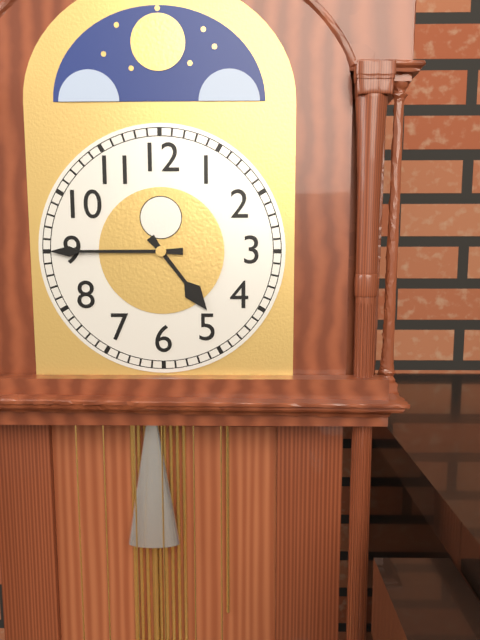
4:45
